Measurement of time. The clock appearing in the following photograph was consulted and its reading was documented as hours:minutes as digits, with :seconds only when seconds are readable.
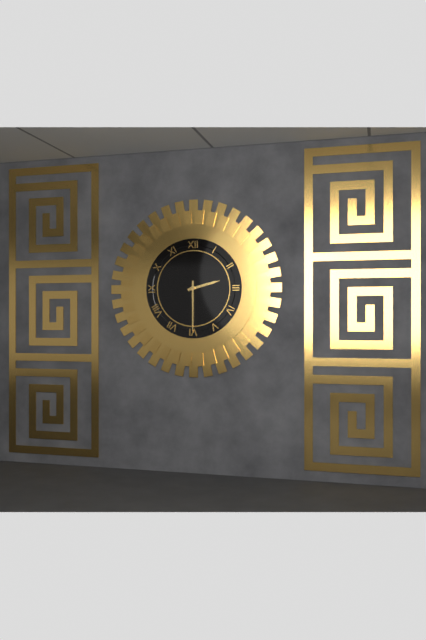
2:30
